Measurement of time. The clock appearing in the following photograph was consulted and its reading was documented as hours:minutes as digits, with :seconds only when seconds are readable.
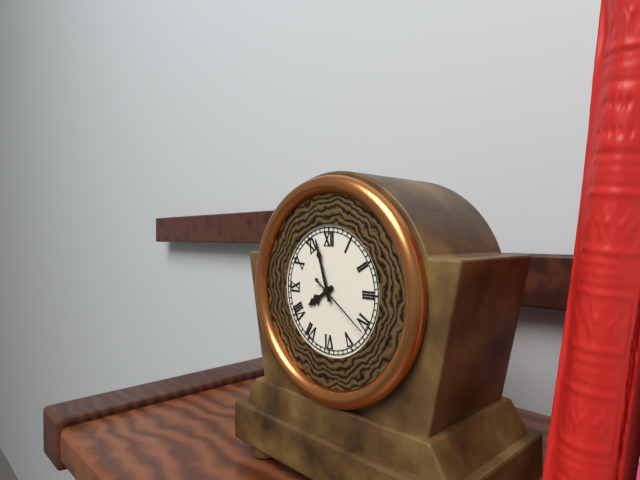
7:57:21
